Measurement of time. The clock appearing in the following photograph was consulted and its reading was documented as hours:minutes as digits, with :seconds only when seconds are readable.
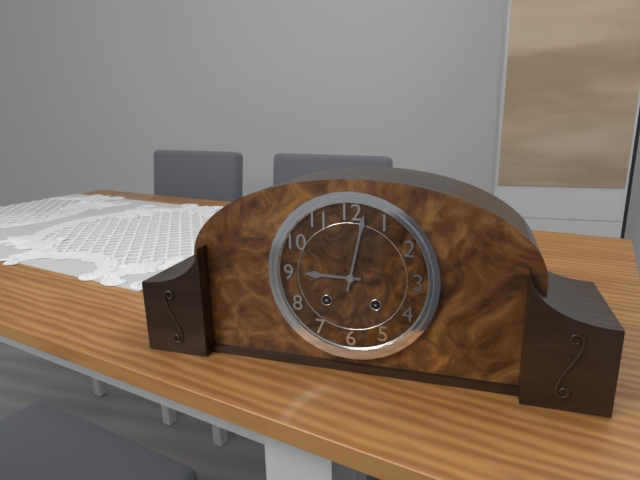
9:02
